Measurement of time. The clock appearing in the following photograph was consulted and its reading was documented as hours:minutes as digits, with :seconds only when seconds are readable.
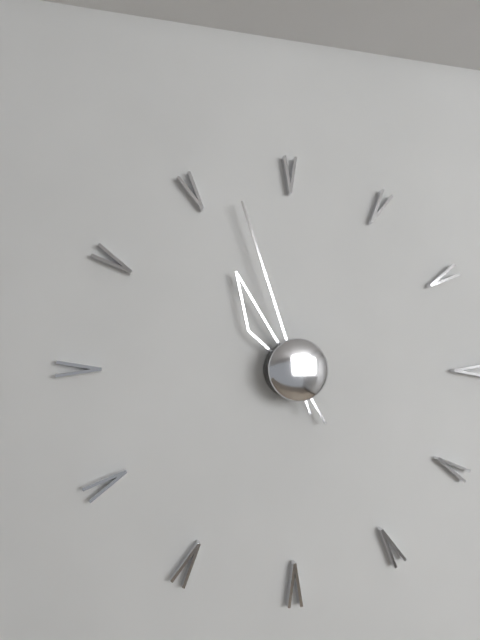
10:57
